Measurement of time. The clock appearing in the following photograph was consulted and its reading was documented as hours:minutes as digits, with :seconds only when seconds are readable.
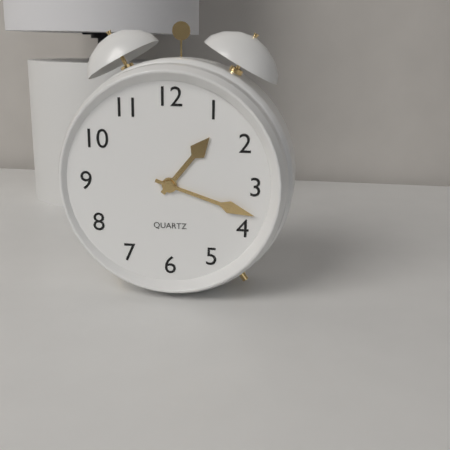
1:18
